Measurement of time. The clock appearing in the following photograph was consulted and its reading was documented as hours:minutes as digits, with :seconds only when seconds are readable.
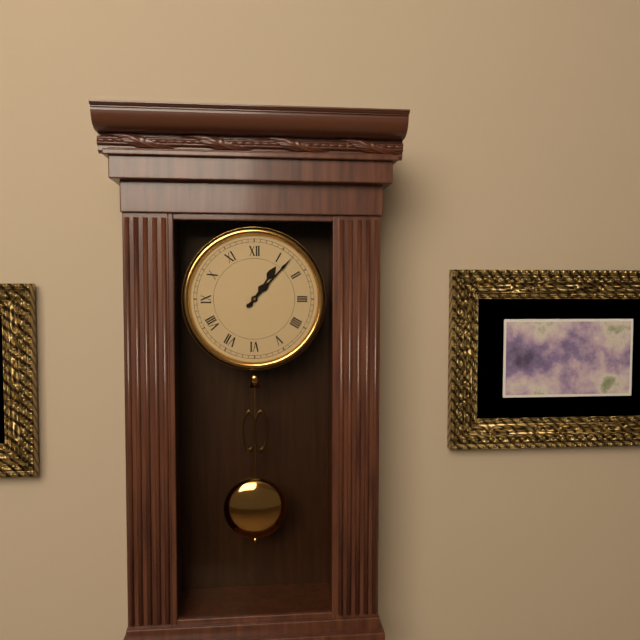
1:07
